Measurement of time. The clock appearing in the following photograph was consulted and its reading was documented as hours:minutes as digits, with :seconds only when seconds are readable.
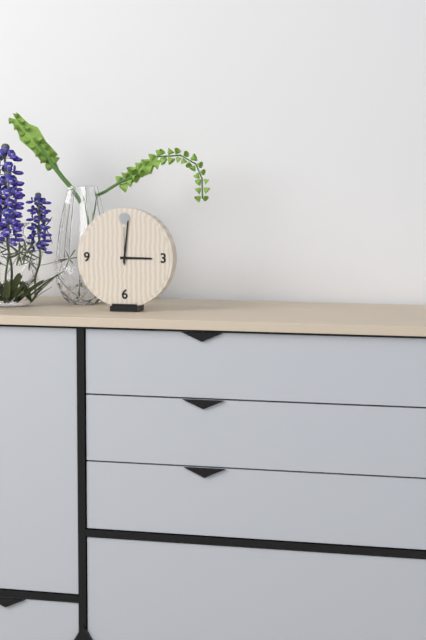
3:01
